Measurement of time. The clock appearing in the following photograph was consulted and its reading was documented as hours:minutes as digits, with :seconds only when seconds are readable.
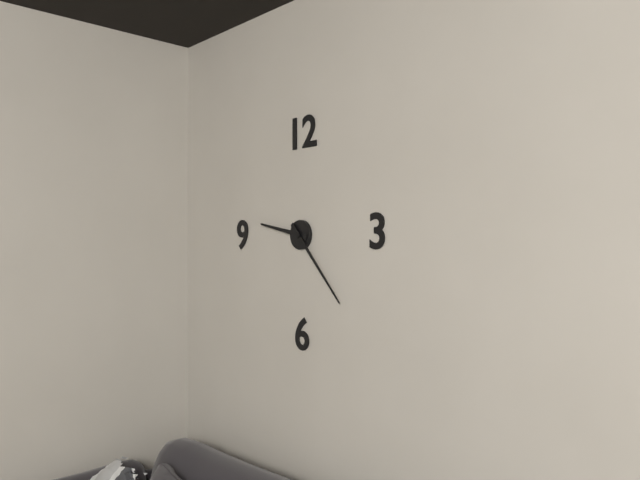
9:23
